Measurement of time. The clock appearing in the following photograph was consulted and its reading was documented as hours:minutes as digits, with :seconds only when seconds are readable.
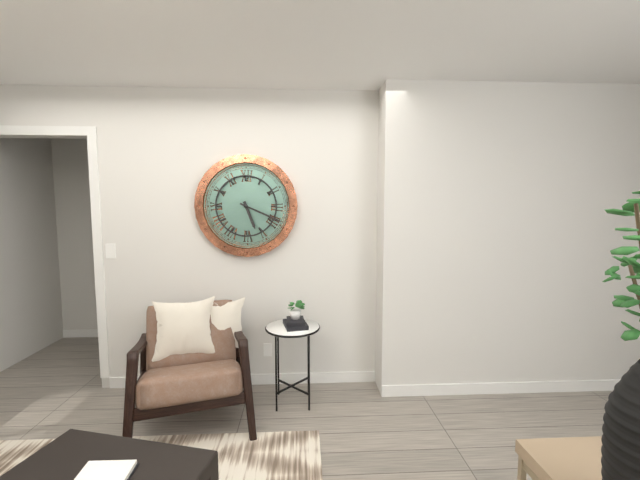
5:19
